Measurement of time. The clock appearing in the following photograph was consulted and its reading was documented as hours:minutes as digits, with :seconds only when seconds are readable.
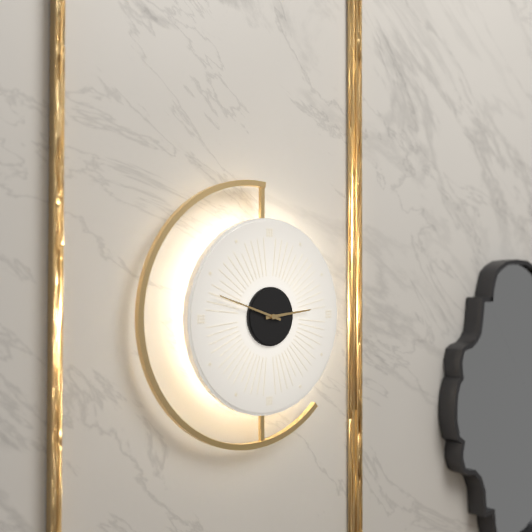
2:48
